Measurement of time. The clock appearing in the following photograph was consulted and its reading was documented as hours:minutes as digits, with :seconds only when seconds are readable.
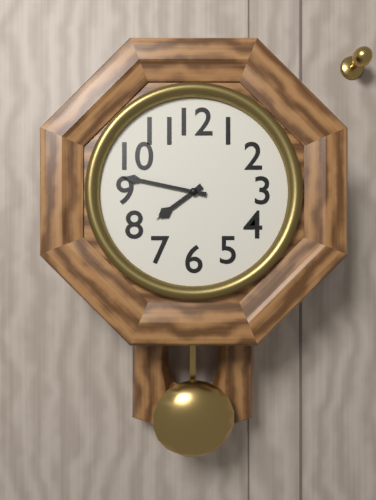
7:47
